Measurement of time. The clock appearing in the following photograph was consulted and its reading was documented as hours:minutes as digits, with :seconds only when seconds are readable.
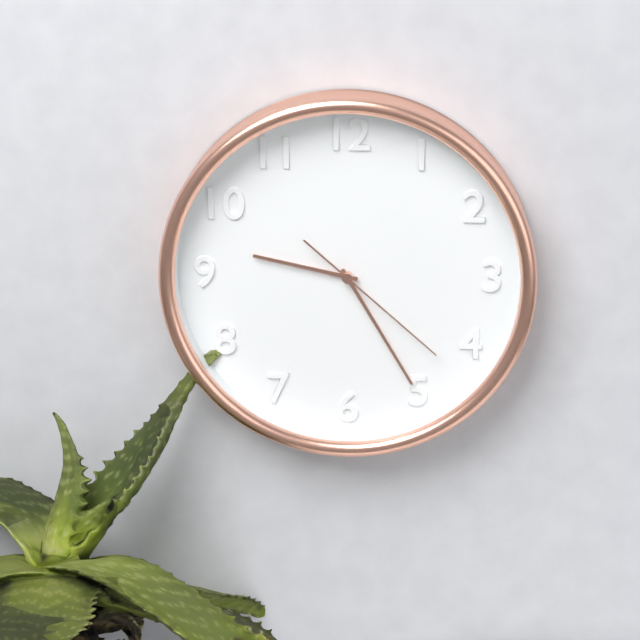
9:25:22
